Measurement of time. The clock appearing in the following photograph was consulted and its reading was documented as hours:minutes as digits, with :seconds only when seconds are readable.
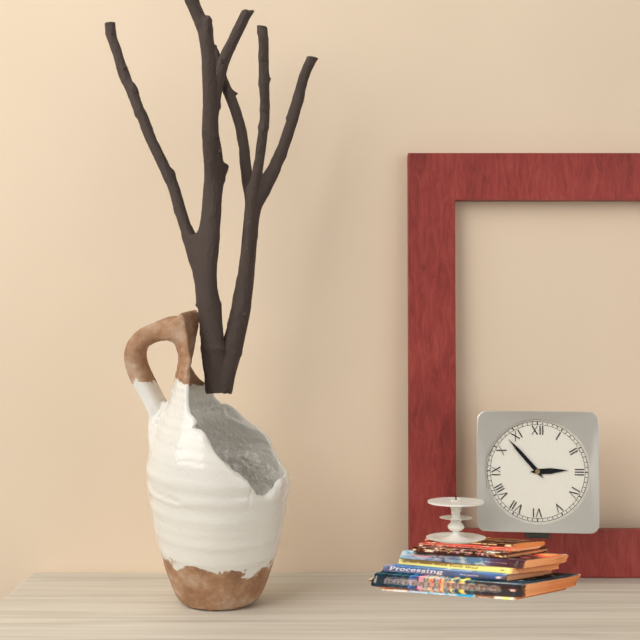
2:53
